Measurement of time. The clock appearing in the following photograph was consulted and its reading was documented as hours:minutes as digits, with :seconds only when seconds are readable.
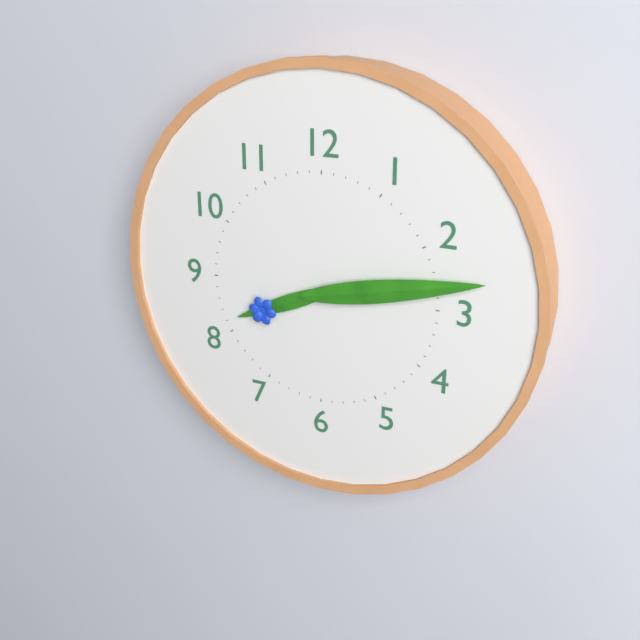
8:13
